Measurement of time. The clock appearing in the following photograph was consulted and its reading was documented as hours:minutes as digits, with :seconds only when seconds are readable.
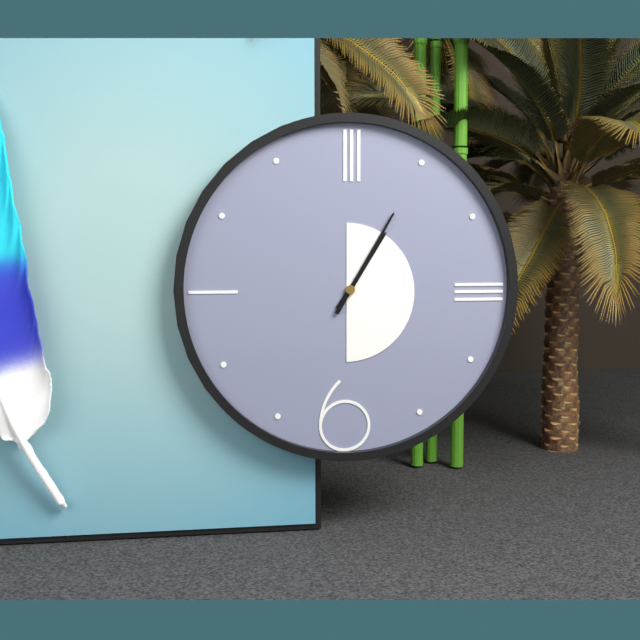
1:05
